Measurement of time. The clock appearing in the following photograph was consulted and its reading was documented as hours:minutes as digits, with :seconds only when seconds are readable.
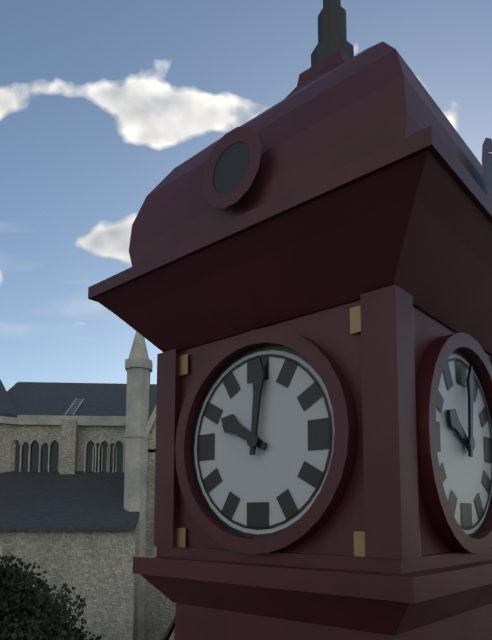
10:01
